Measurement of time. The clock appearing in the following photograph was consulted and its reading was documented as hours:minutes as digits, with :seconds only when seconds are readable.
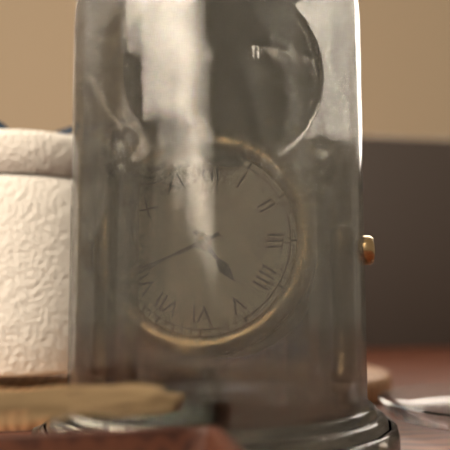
4:41
